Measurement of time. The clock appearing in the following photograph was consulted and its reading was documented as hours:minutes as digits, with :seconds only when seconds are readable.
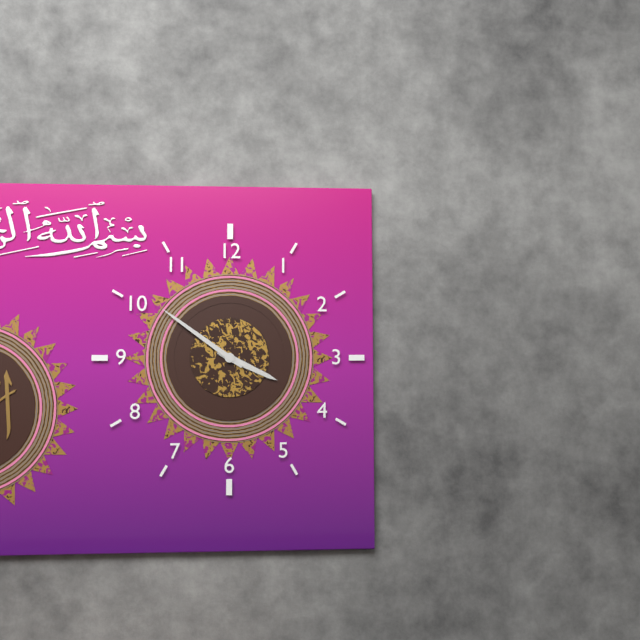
3:51
